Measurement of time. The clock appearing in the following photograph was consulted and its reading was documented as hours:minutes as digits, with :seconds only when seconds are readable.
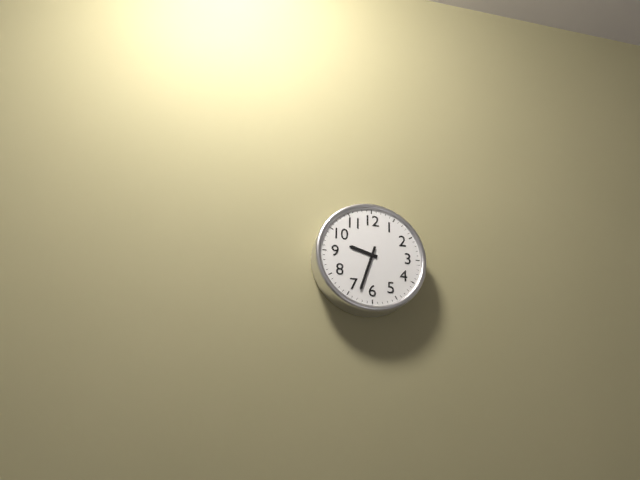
9:33
